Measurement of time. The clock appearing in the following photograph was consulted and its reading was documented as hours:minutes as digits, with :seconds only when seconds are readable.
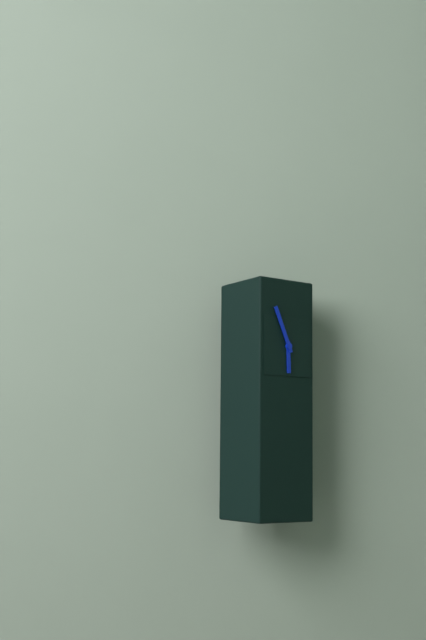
5:56
